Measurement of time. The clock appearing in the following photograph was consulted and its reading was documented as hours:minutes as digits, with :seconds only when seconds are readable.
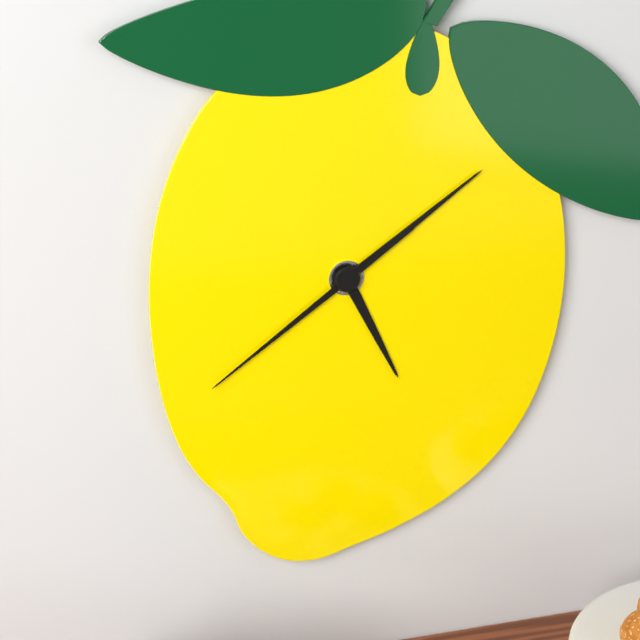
5:09:39
